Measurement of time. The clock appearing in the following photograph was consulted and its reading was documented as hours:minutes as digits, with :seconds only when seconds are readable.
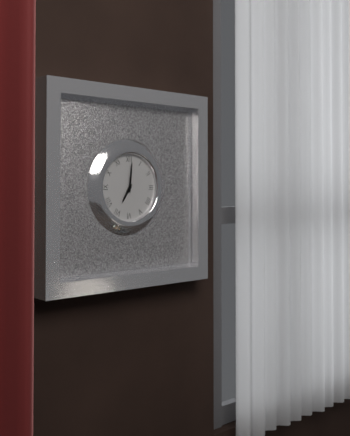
7:01
